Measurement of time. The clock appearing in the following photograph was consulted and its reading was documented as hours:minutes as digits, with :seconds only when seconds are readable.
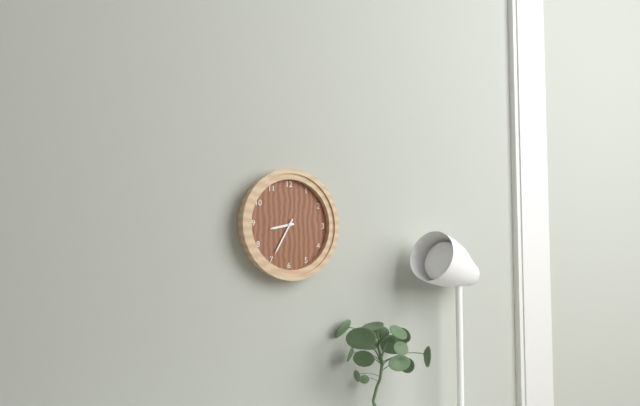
8:35
